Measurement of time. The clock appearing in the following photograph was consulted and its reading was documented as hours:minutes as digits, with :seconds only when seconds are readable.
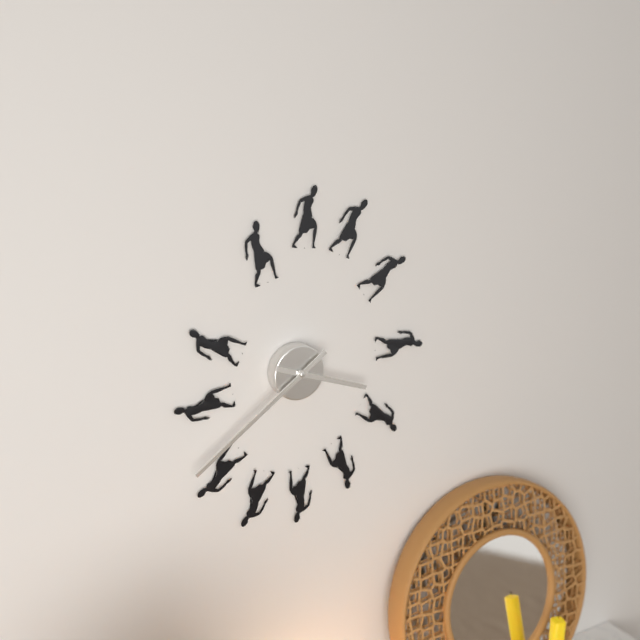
3:39
